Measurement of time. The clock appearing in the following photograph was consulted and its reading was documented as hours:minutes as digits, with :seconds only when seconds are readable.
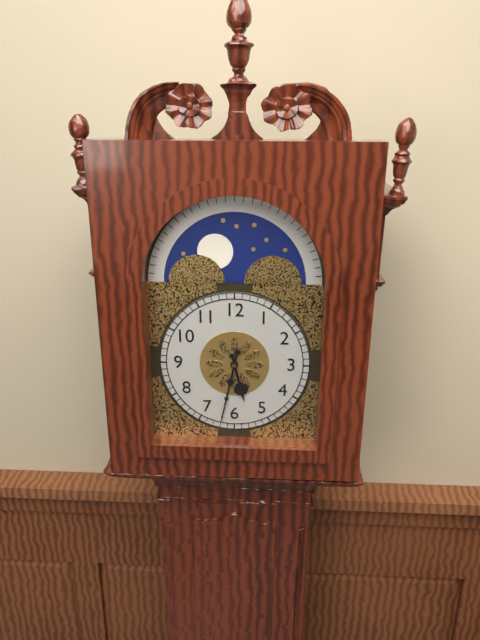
5:32
